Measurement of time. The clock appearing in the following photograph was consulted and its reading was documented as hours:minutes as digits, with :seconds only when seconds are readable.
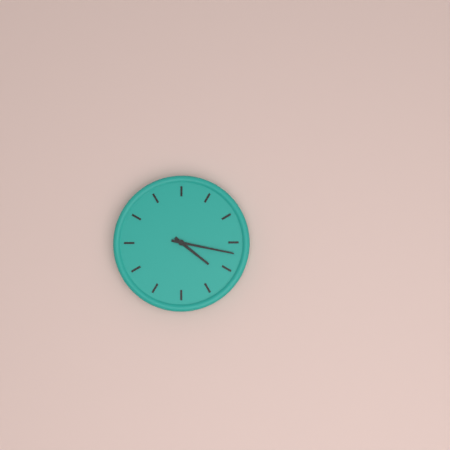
4:17
